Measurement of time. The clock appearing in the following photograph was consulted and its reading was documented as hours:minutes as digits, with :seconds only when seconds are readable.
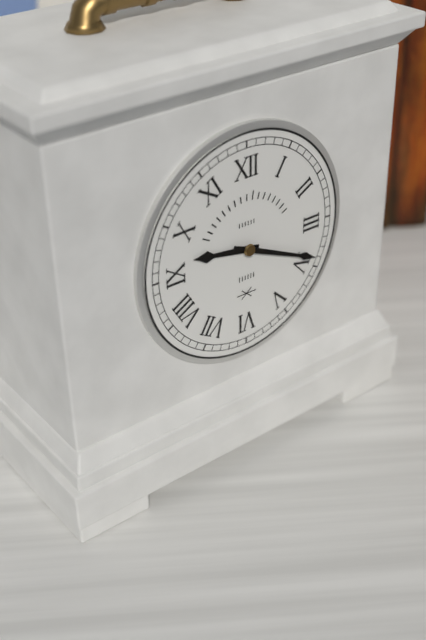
9:19
